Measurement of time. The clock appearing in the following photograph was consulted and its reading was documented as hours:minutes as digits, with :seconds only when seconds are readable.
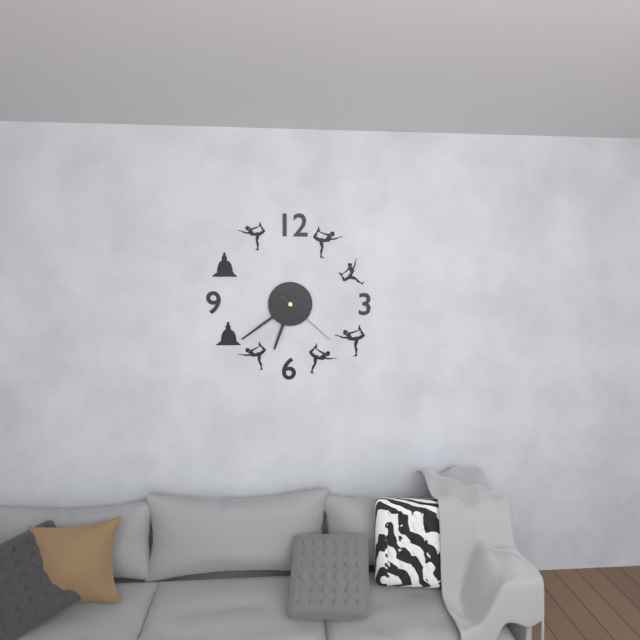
6:39:22
